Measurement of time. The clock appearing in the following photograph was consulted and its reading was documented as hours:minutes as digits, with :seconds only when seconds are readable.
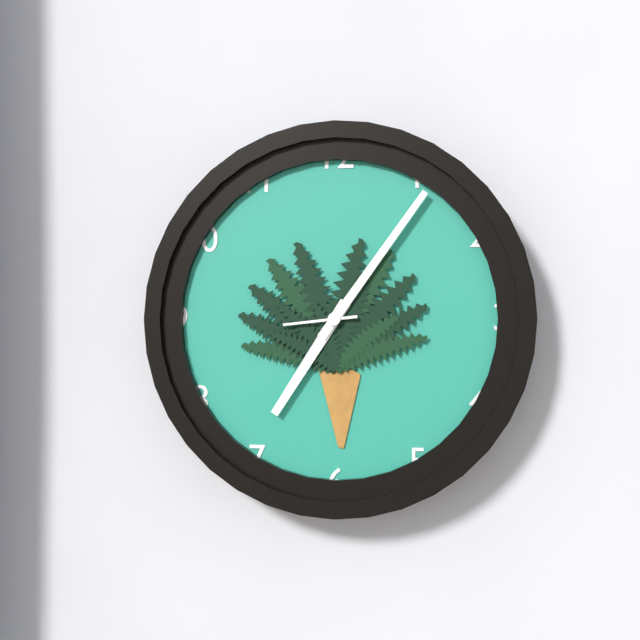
7:06:44
